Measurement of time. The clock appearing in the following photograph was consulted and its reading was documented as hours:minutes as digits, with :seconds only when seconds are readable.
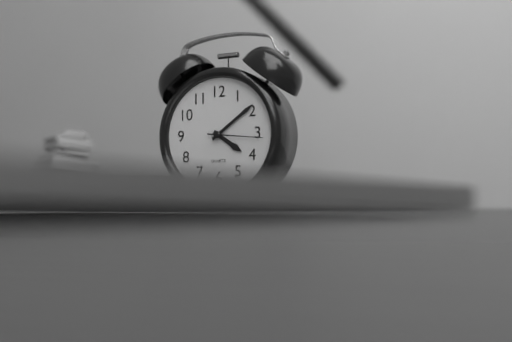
4:09:16
